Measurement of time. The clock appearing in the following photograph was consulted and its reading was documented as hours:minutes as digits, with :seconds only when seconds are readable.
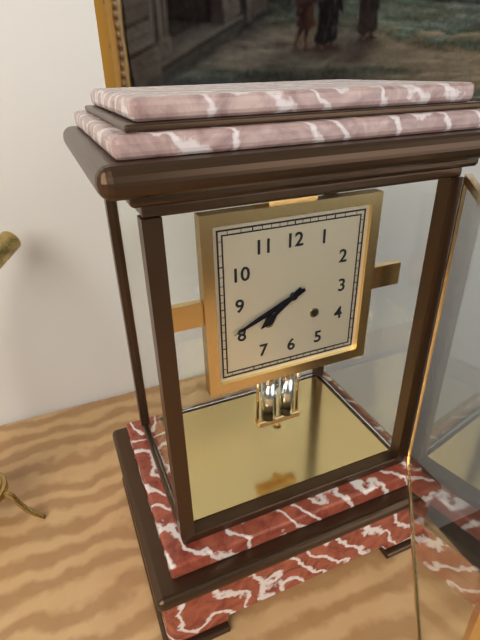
7:41
